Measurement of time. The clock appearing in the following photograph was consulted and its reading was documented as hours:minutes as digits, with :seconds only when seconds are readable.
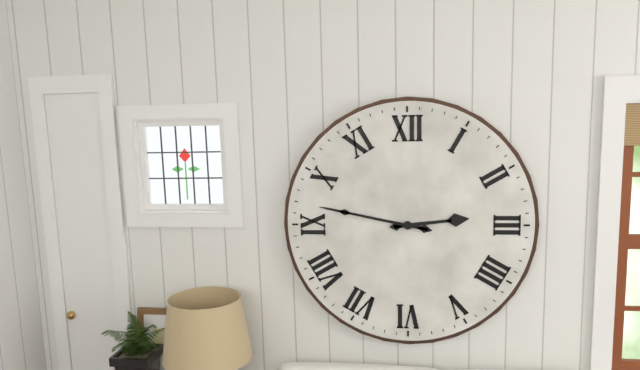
2:47
